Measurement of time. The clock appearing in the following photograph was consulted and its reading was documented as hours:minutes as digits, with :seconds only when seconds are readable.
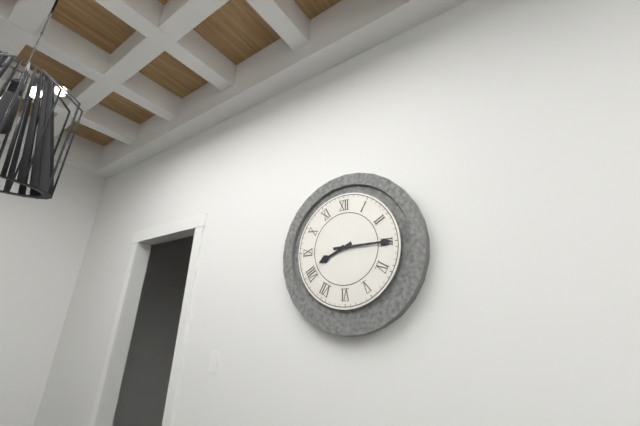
8:15
